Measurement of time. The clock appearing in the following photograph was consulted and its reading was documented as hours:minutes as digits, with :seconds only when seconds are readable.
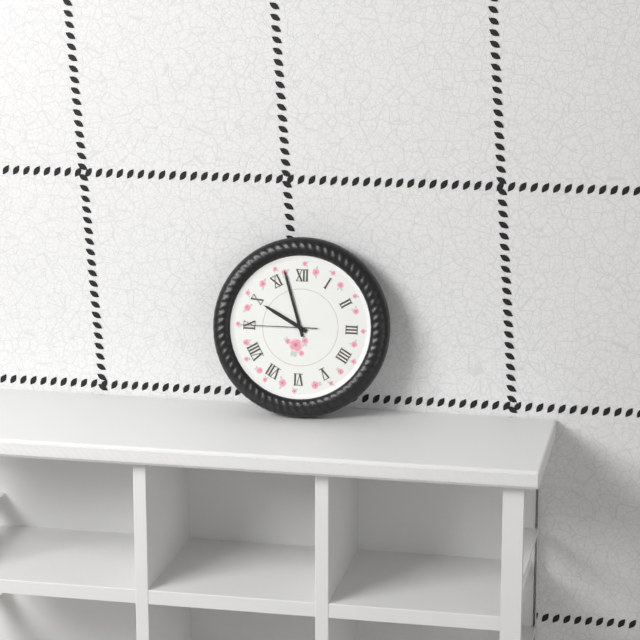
9:57:45
